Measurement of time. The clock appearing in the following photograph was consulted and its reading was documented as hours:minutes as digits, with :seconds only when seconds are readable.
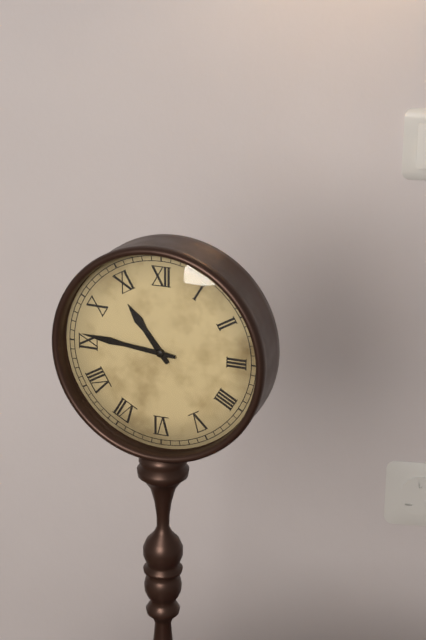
10:46
